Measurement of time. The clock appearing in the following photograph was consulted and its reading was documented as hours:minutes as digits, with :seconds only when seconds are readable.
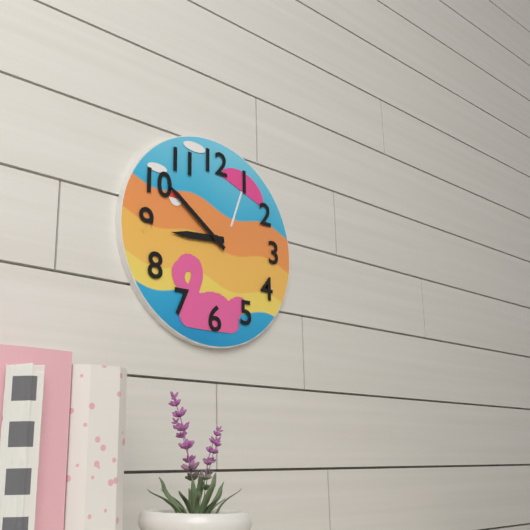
8:51
